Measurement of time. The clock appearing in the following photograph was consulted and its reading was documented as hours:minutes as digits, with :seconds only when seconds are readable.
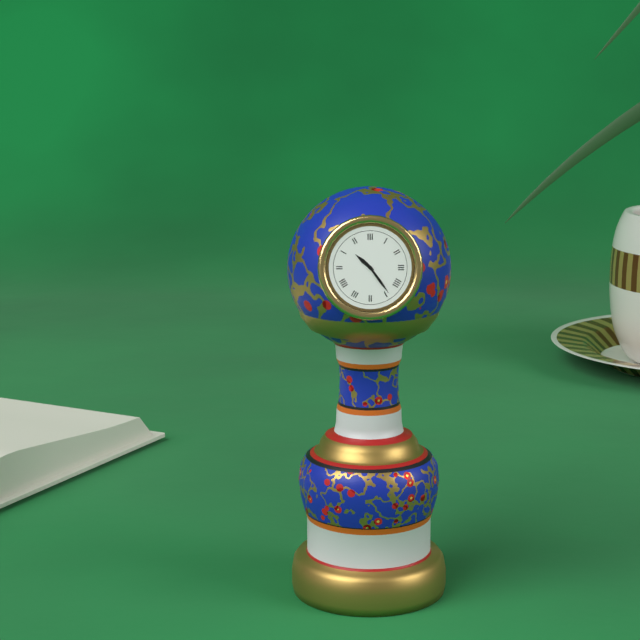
10:24
